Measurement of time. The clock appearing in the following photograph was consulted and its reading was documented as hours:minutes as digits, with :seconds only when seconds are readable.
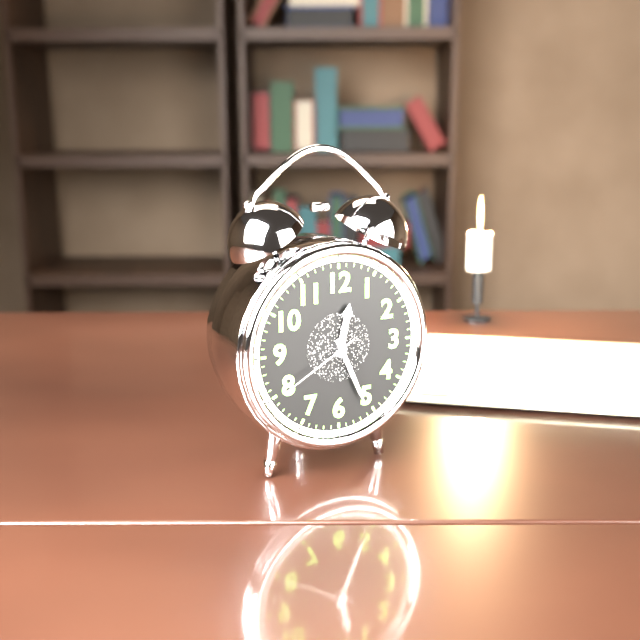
12:26:40
